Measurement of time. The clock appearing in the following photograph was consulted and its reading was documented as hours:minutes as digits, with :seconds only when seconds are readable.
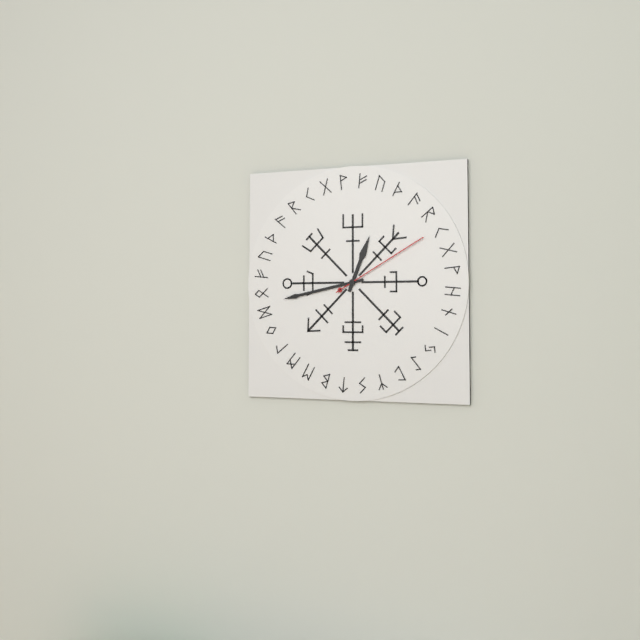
12:43:10
